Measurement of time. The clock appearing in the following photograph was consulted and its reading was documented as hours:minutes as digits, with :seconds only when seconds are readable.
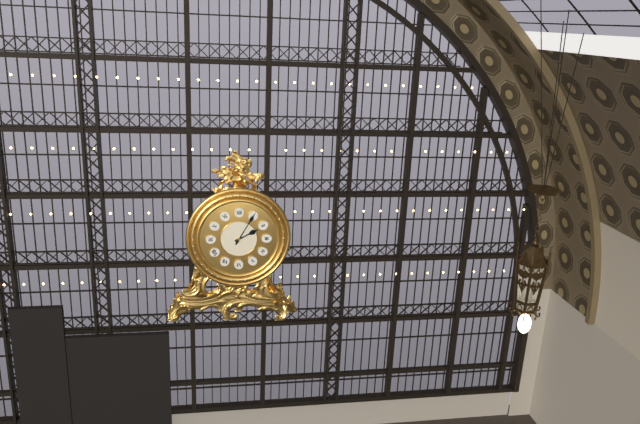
2:05
